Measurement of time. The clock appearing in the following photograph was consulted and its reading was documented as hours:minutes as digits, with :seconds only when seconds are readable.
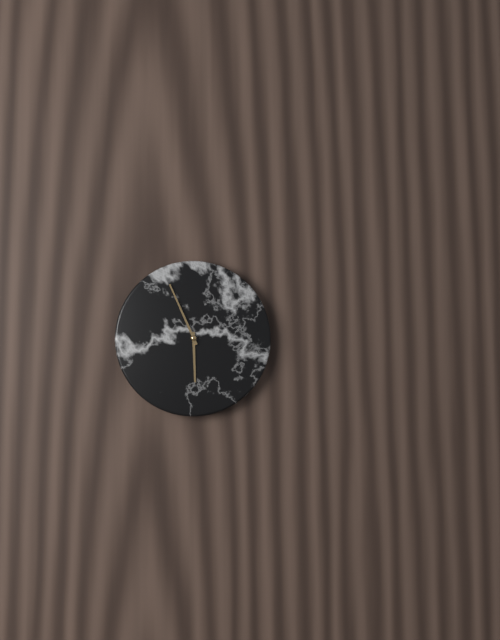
5:56
